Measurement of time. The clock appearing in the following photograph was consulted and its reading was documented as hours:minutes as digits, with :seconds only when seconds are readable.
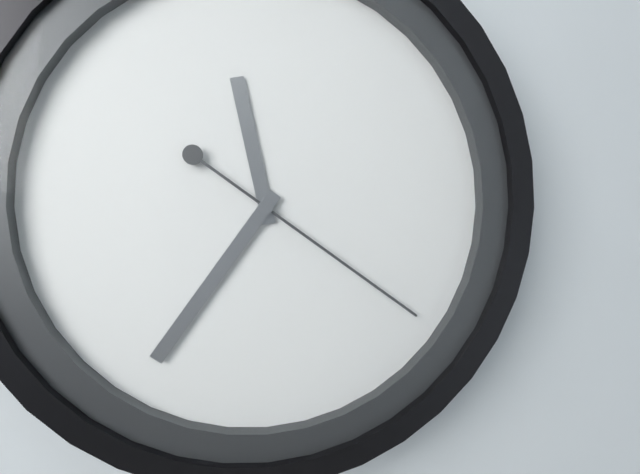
11:36:21
